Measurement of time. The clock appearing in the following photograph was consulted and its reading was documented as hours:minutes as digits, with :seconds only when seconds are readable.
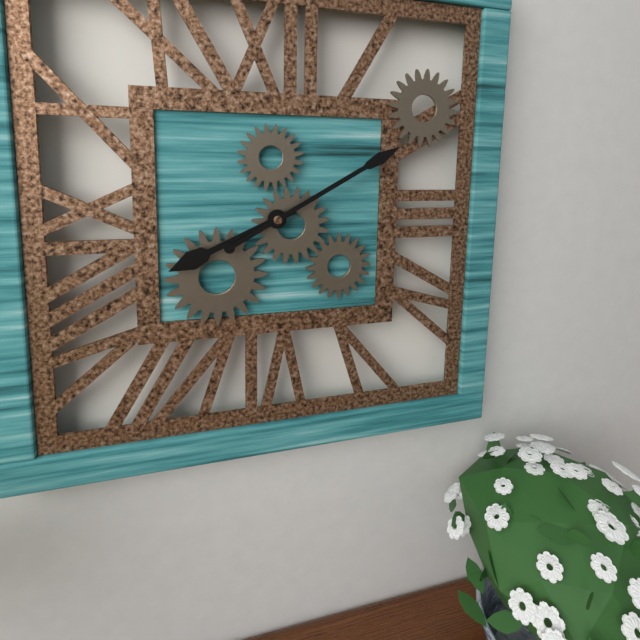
8:10
